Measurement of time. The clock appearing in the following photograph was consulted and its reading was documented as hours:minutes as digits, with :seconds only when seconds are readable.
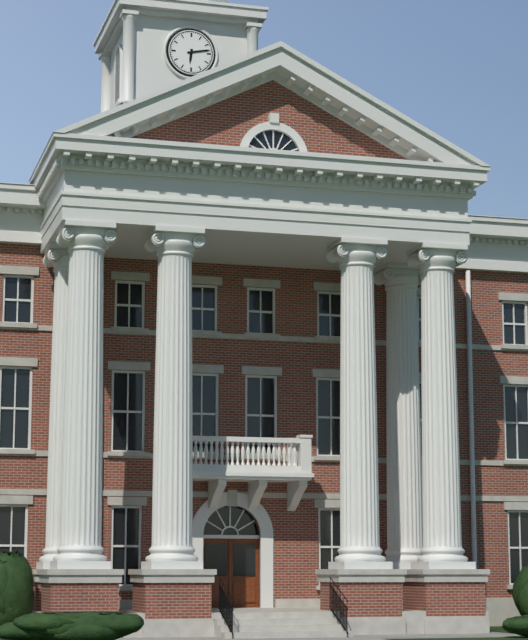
6:13
